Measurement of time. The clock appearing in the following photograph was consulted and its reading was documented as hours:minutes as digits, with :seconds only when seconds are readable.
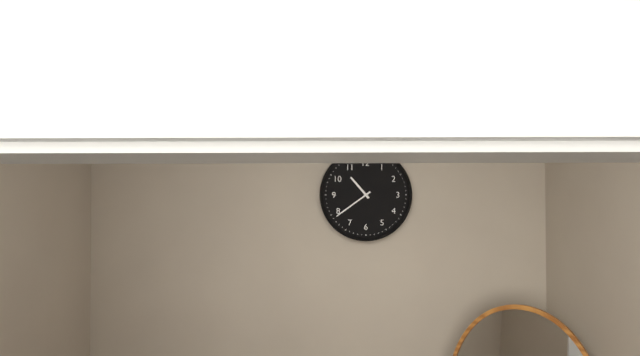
10:39
